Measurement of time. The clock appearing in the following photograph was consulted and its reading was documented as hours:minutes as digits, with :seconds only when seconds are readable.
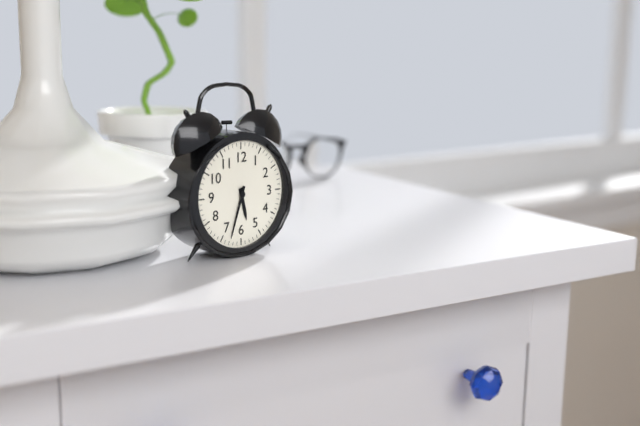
5:33
